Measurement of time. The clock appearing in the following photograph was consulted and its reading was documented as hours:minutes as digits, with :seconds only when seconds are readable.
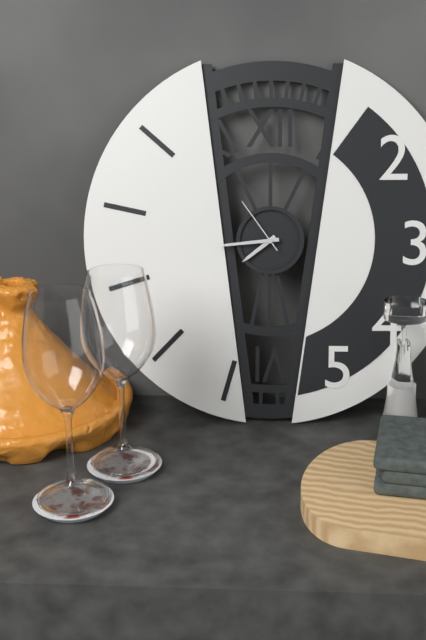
7:44:54
